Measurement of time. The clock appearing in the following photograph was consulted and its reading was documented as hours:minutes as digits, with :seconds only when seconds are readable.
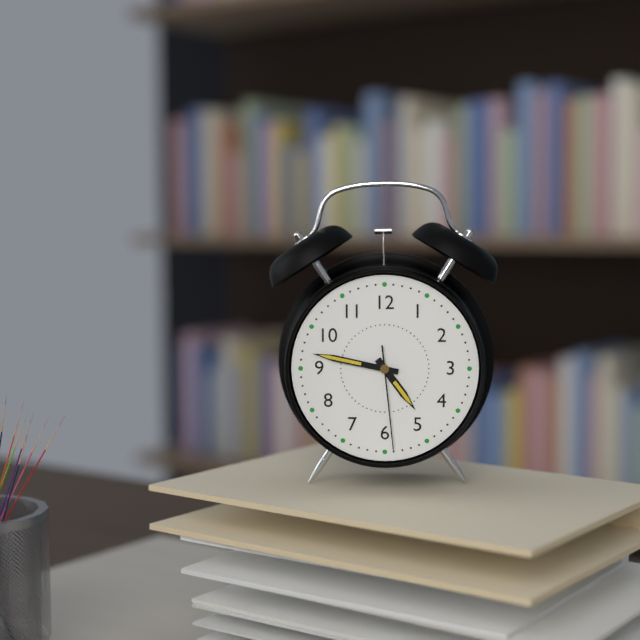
4:47:29
